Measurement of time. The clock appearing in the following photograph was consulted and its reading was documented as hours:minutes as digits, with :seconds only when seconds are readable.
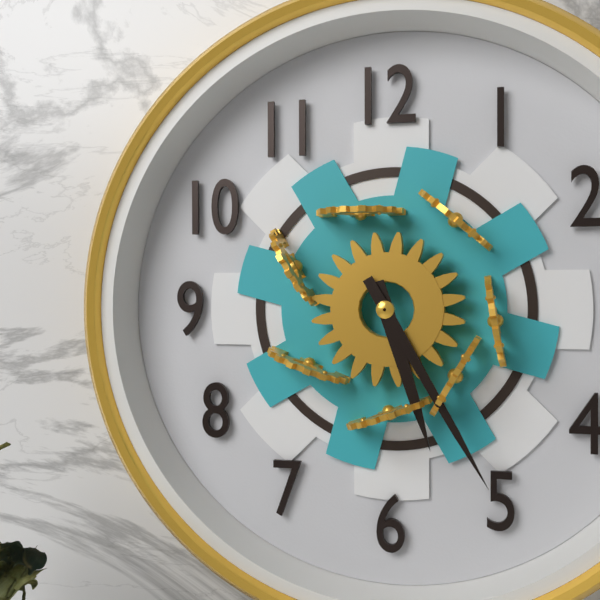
5:25
